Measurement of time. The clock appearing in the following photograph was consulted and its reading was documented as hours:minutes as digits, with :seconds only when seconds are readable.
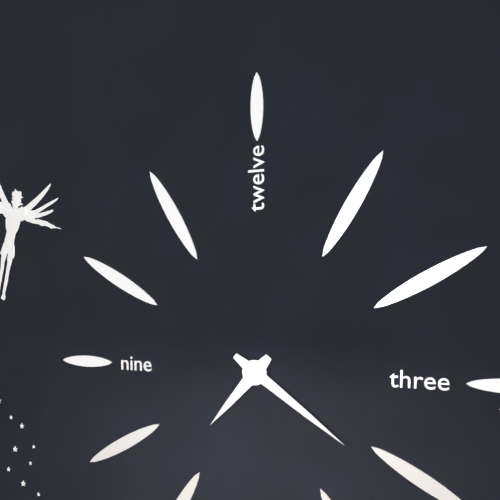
7:21
